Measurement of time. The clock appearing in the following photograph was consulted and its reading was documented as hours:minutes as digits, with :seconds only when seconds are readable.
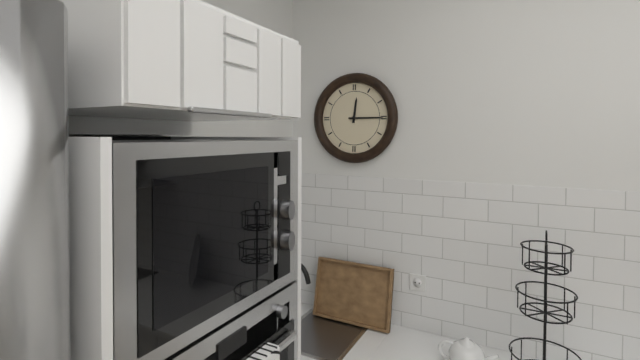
12:15
